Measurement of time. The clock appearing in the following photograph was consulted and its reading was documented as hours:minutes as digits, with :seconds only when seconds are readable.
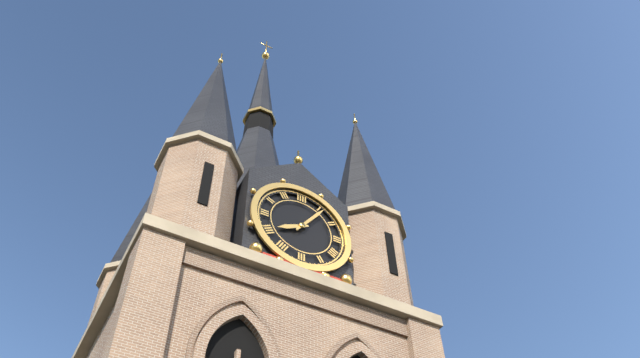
8:06
